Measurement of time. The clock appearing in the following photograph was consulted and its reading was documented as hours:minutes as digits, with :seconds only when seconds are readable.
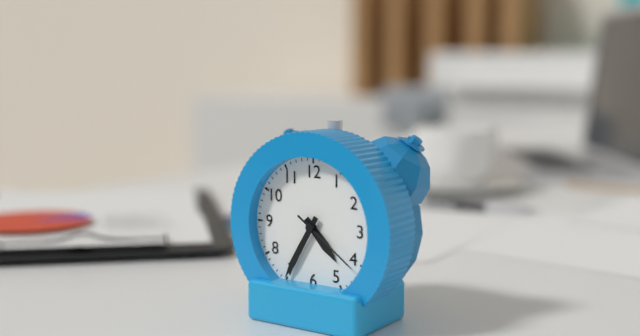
4:35:21
